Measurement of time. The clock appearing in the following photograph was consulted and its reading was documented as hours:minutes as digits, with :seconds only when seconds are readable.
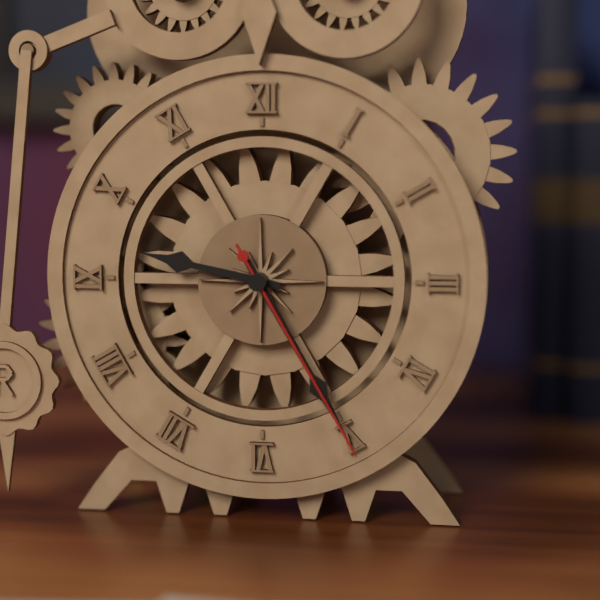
9:25:25
